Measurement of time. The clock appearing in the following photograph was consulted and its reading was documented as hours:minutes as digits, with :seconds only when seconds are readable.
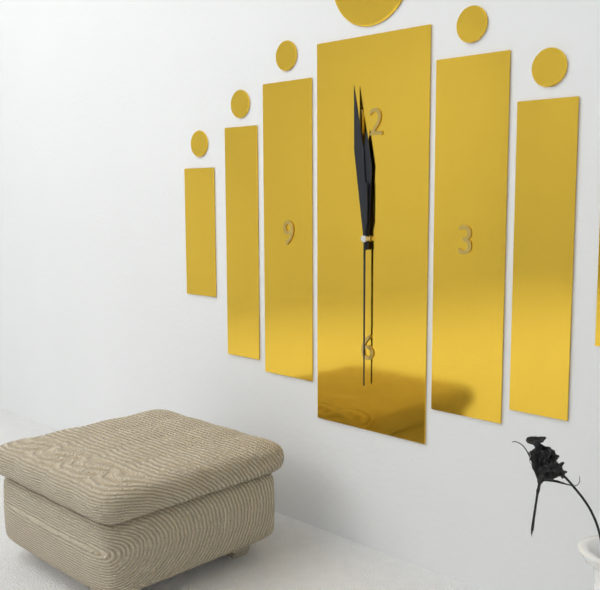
11:59:30
